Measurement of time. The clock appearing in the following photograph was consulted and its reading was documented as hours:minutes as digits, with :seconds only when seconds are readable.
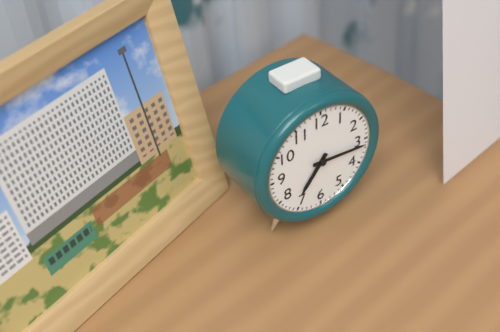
7:16
